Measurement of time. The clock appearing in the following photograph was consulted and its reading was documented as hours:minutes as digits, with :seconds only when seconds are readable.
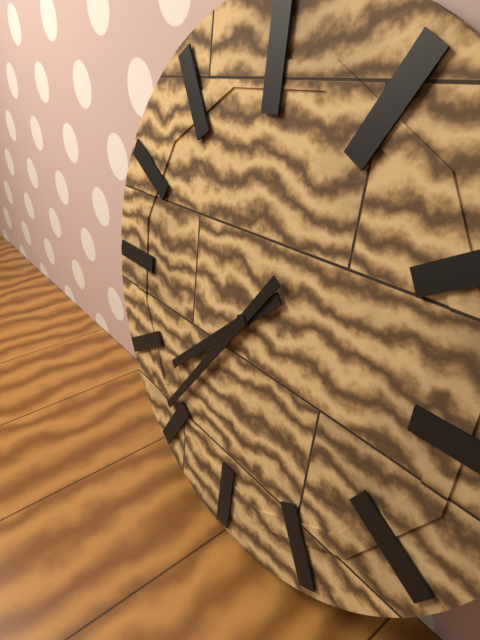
7:36
